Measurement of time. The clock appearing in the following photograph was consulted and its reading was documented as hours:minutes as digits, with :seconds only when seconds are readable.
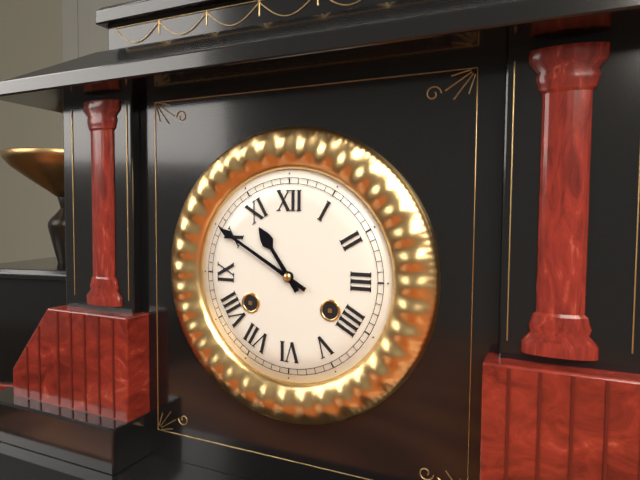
10:50
